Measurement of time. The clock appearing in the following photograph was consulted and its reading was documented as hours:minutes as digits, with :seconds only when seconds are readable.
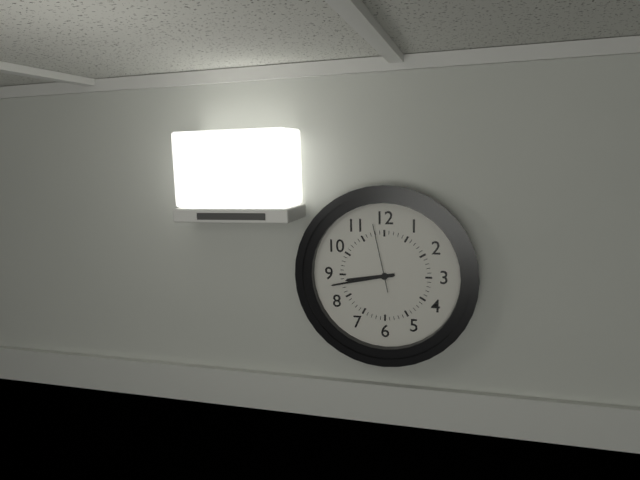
8:43:58
